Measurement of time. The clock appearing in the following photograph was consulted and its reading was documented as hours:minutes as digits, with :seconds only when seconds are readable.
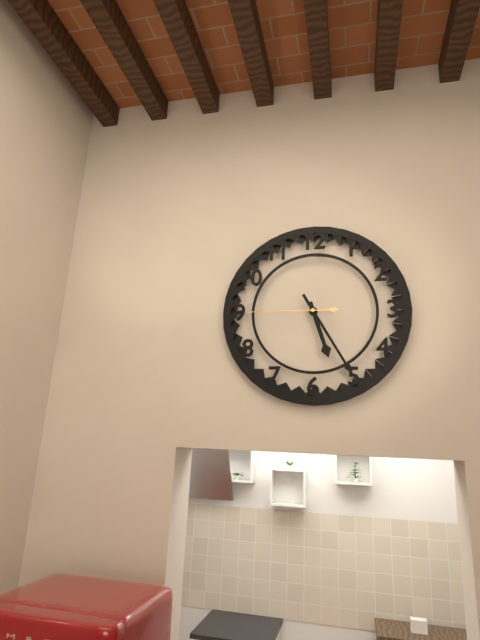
5:25:45
